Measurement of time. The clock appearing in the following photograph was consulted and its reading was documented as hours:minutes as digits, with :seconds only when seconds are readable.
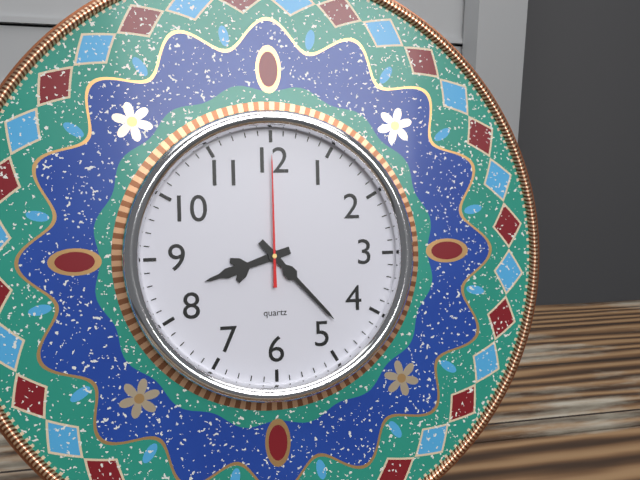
8:23:00
